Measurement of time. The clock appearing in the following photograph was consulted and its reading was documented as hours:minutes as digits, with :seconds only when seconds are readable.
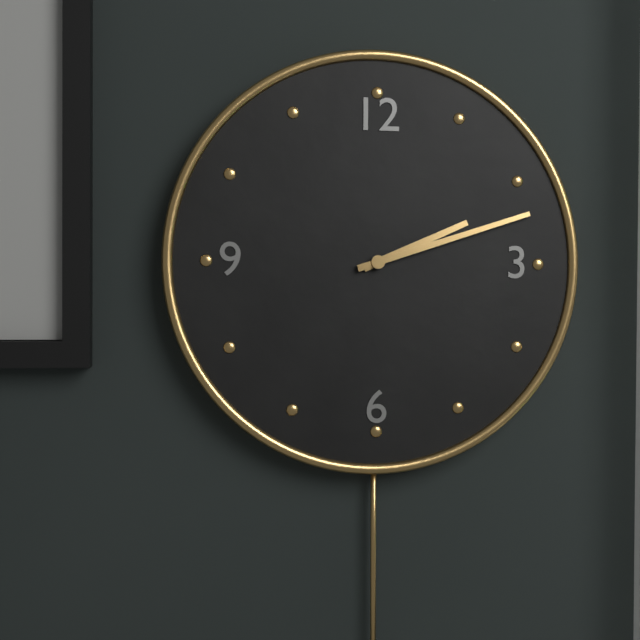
2:12
